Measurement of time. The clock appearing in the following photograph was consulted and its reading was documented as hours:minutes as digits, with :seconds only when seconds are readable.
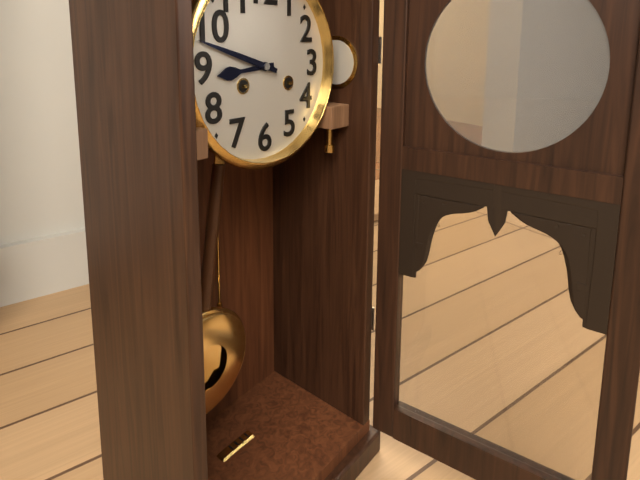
8:48
